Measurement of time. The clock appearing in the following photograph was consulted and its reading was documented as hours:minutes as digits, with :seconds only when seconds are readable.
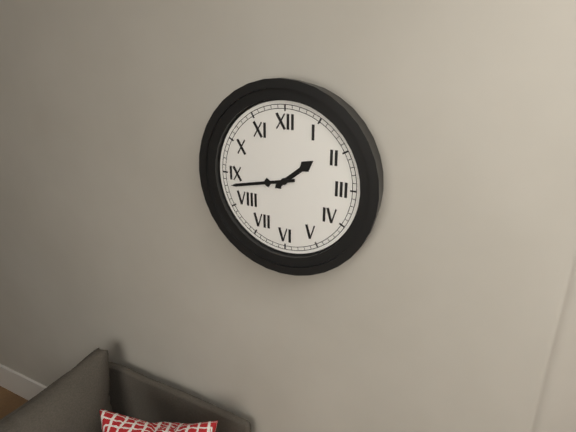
1:43
